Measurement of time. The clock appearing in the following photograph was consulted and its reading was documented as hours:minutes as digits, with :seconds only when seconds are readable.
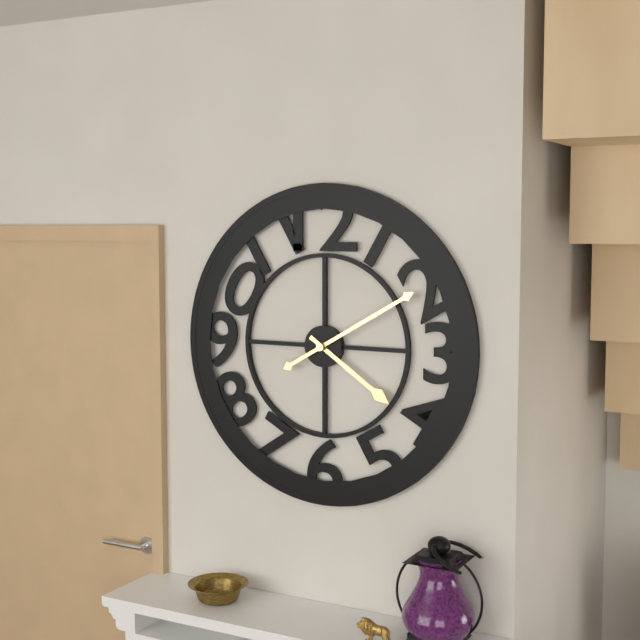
4:10
